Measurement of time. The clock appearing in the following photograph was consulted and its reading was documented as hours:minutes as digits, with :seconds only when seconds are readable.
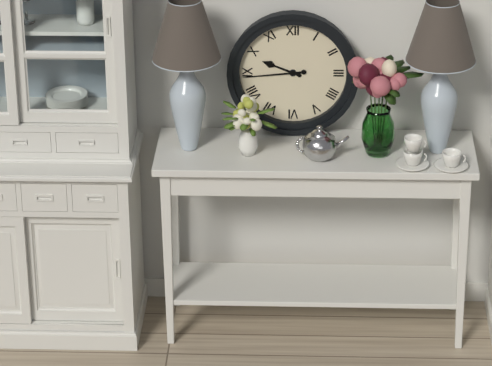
9:44
